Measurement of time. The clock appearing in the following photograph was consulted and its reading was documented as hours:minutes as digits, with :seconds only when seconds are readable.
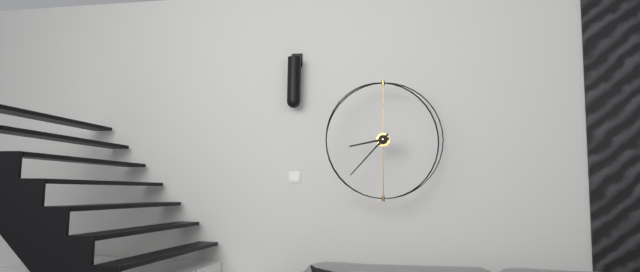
8:37
